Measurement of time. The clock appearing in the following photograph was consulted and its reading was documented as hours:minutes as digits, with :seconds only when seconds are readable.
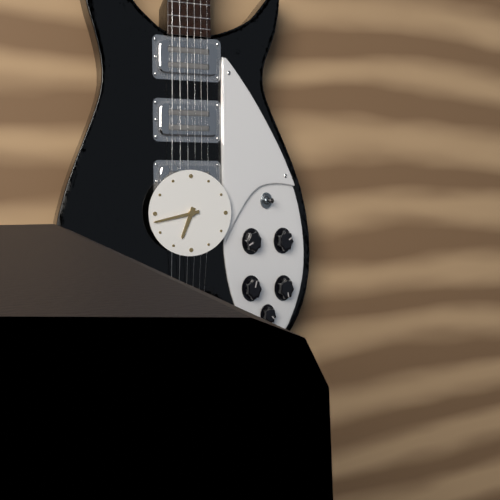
6:43
